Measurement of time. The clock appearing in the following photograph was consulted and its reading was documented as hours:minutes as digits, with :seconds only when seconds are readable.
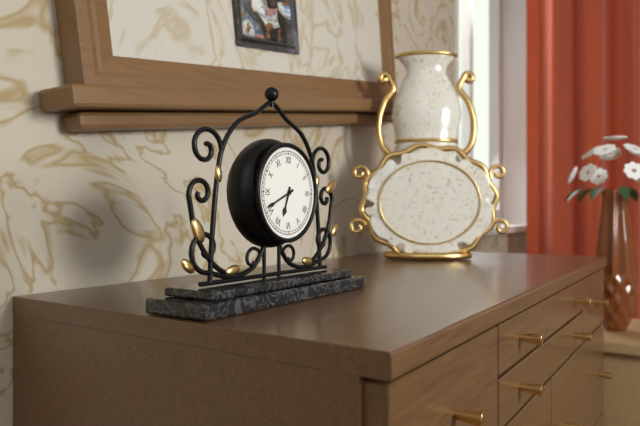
6:41
